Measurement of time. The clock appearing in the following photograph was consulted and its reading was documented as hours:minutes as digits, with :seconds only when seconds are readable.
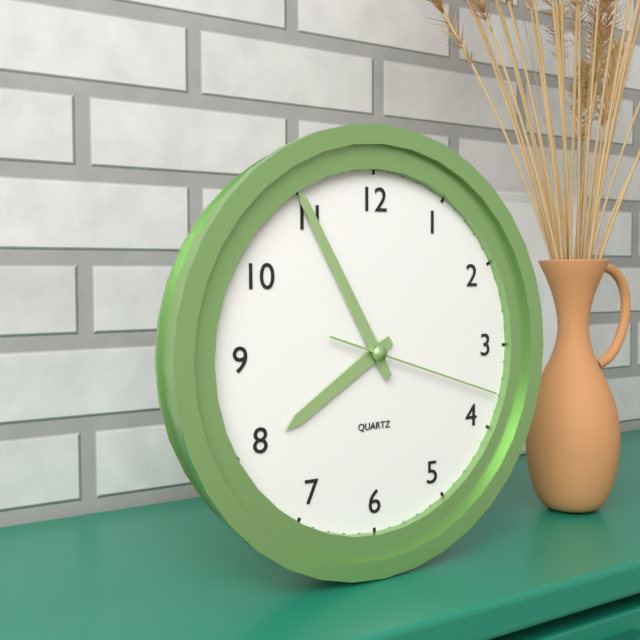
7:55:18
